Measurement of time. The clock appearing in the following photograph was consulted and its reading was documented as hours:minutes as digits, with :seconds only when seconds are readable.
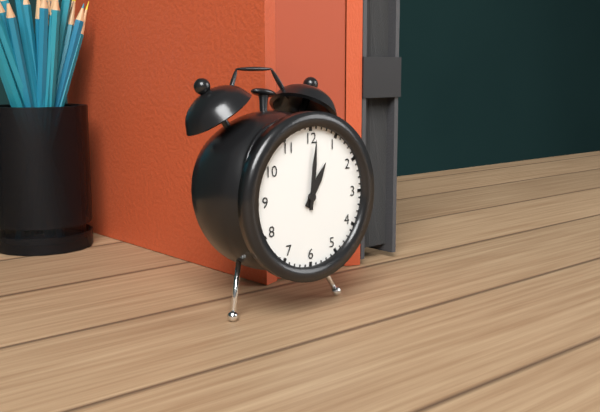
1:01
